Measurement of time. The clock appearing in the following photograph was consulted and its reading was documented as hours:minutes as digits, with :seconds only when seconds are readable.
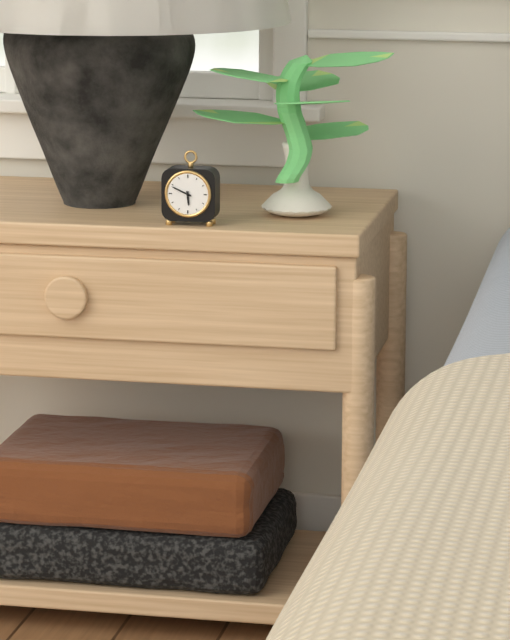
5:49
